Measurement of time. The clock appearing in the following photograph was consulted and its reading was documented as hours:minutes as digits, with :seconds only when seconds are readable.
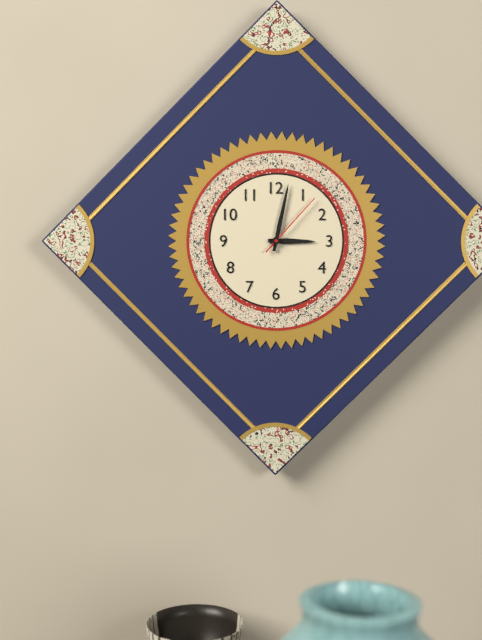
3:02:07
